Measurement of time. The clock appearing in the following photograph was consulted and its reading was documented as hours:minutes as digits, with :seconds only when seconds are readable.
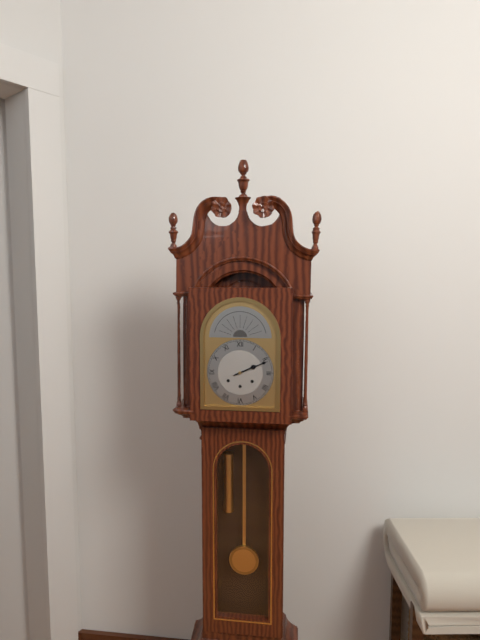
2:11
